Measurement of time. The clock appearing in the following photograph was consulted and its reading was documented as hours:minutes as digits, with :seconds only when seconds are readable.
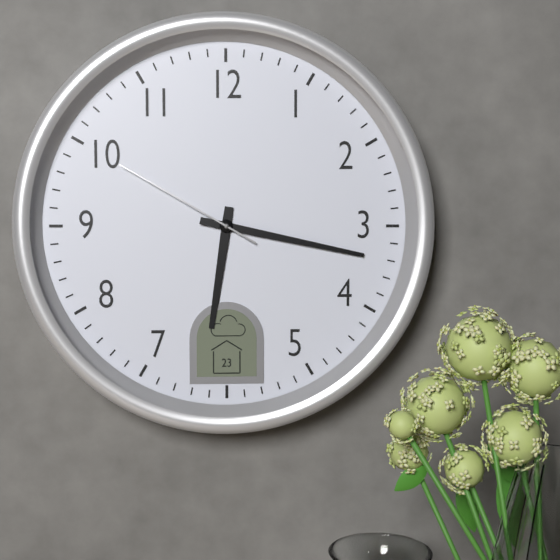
6:17:50
